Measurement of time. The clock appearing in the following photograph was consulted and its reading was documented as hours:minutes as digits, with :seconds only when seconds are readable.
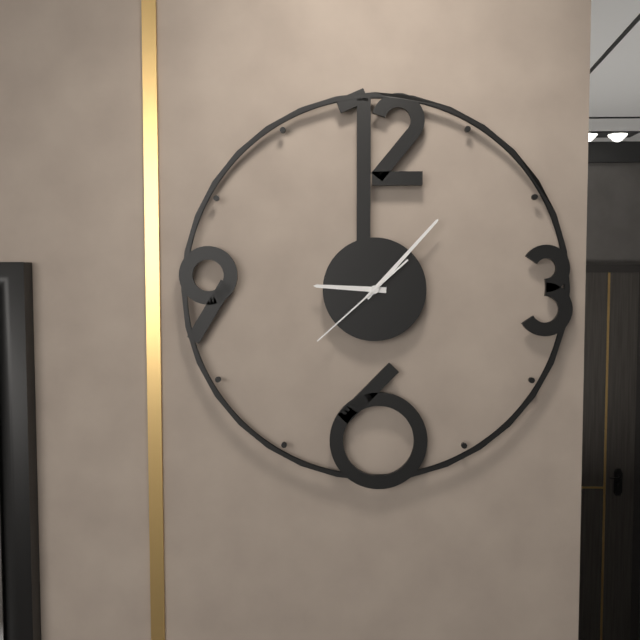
9:07:38
